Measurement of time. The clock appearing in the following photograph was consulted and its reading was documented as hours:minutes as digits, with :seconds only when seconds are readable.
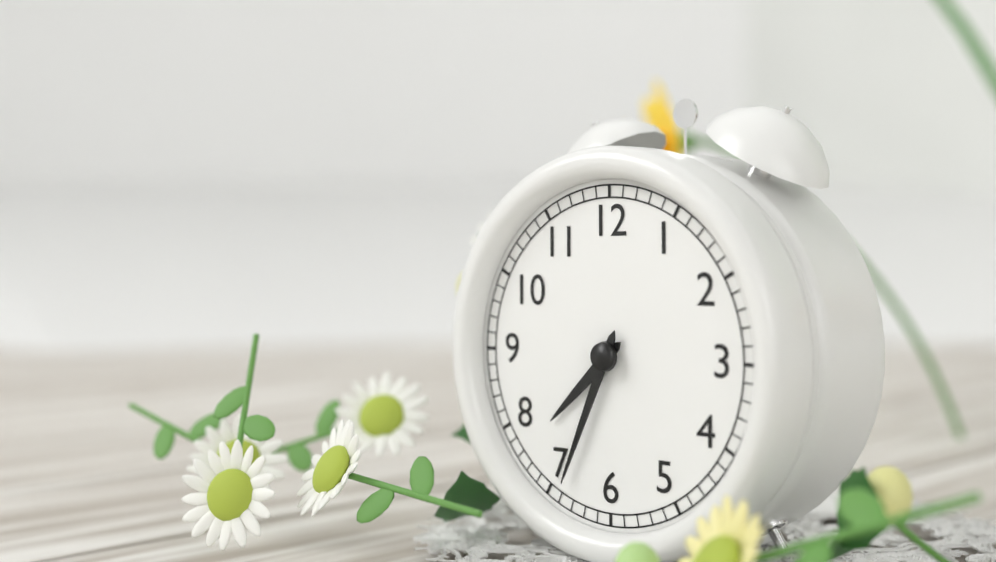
7:34
